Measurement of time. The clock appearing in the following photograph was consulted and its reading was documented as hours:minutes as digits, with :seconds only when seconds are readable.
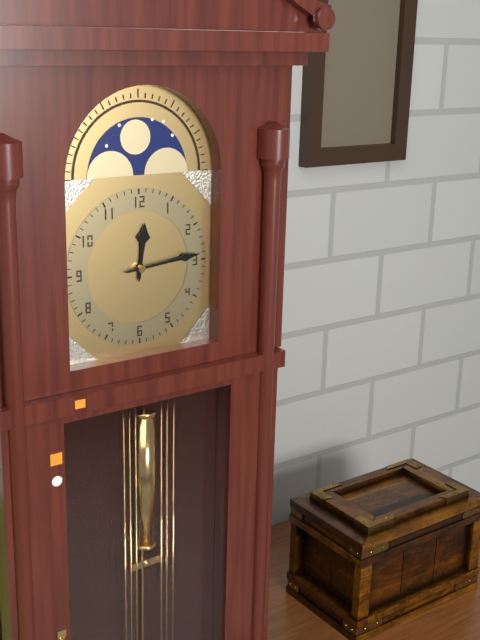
12:14
